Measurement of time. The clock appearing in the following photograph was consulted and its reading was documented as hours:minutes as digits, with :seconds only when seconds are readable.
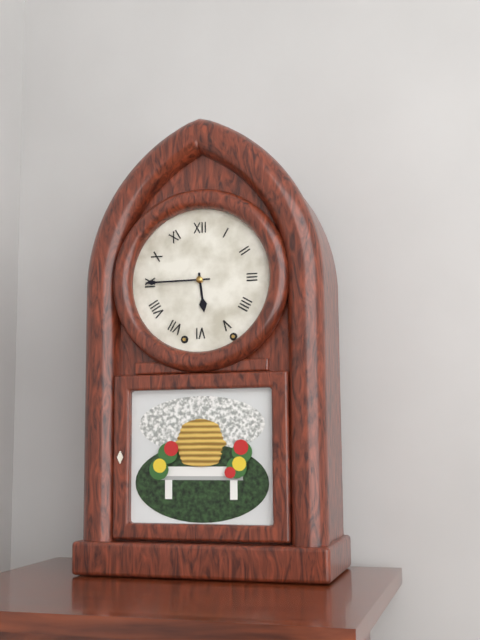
5:45
